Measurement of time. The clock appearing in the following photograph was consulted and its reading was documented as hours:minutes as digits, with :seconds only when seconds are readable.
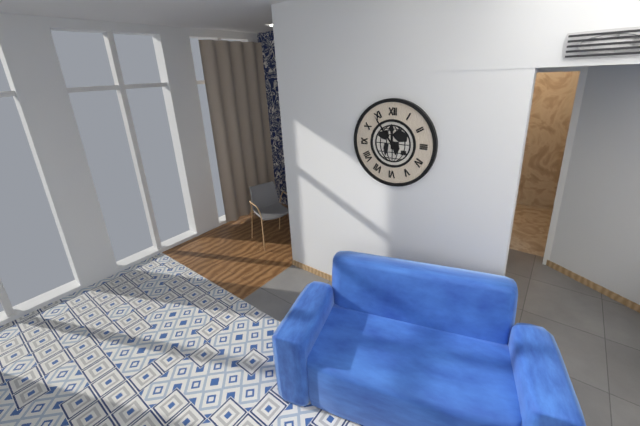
11:54
